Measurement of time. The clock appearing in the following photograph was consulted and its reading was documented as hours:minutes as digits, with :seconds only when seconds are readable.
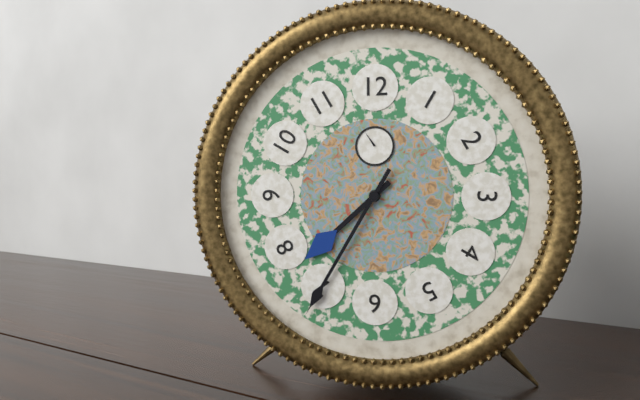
7:35
